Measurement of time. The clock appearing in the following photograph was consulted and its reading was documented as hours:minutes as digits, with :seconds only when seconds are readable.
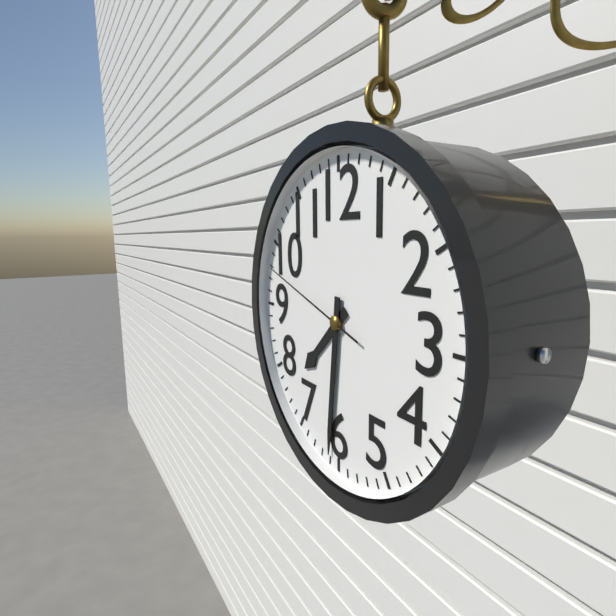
7:31:48
